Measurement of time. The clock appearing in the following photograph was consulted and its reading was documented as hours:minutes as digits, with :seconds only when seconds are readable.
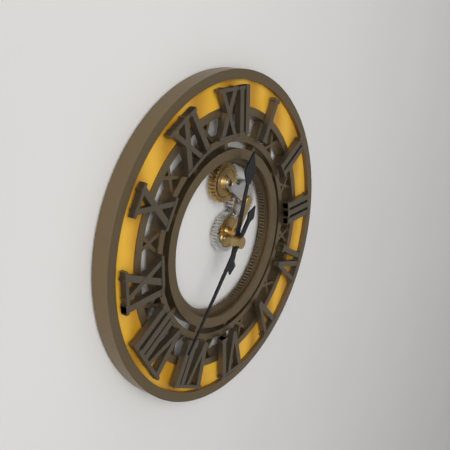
12:37
